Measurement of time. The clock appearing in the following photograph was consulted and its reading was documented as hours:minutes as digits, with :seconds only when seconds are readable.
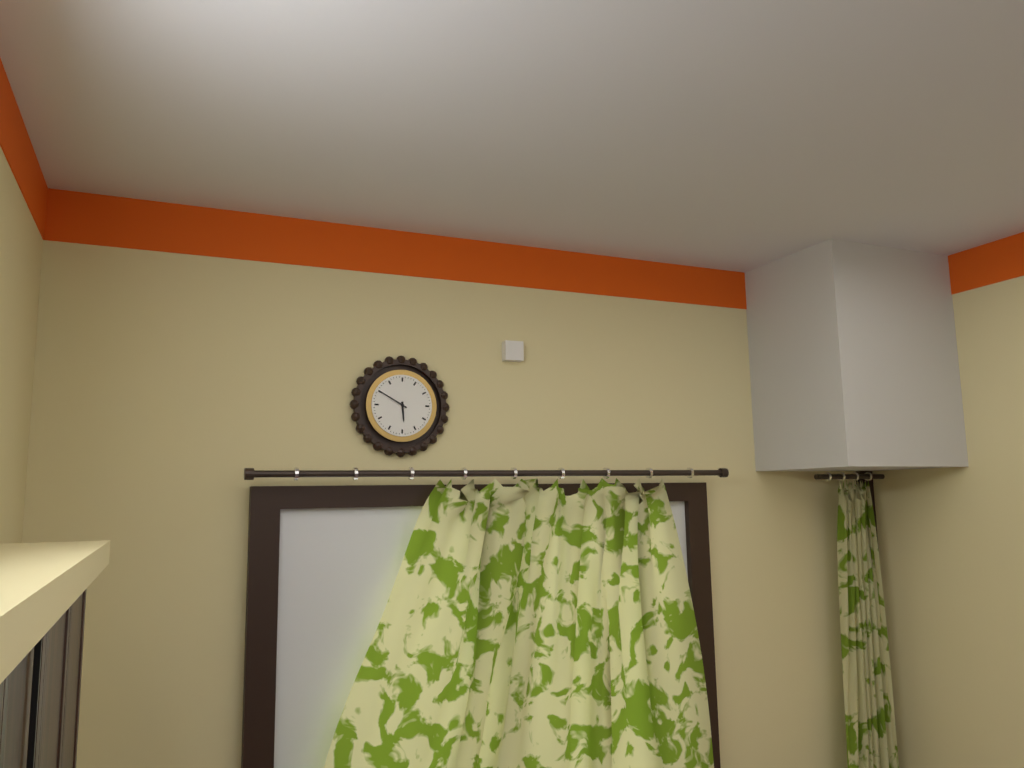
5:50
